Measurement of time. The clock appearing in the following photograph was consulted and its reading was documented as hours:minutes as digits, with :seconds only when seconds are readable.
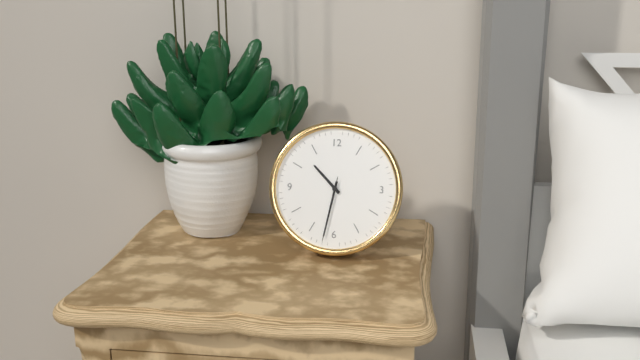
10:32:32
